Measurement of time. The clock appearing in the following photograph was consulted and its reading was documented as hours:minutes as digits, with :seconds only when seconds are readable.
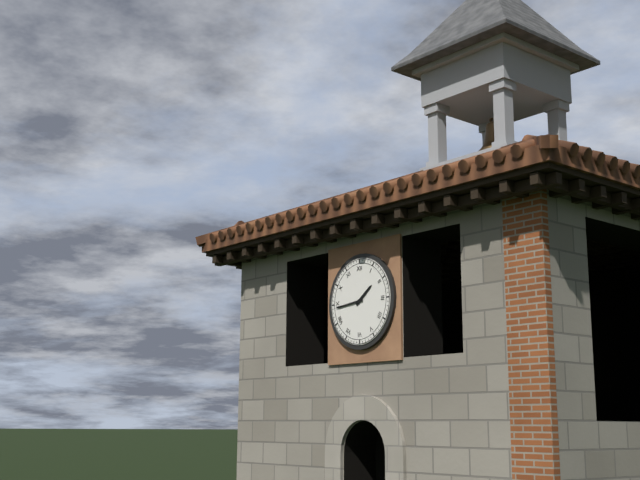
1:44
